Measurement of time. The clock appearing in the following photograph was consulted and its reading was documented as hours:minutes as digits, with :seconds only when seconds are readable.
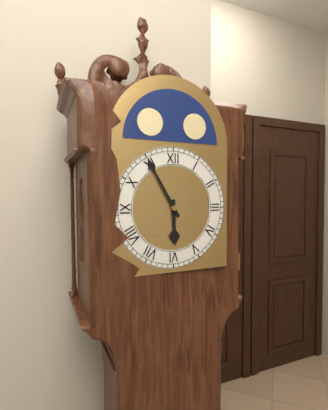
5:55
